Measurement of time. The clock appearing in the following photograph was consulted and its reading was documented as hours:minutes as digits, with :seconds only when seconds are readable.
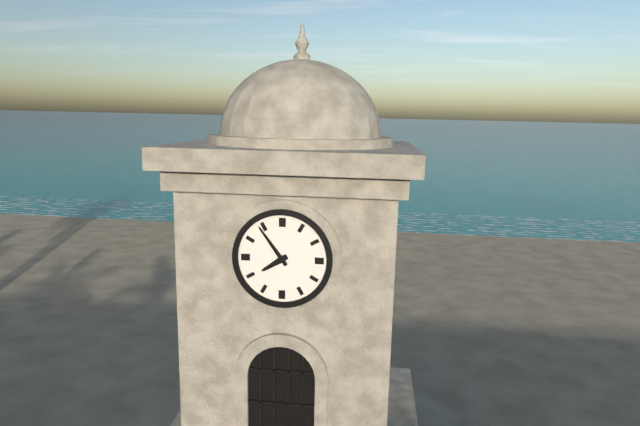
7:54
